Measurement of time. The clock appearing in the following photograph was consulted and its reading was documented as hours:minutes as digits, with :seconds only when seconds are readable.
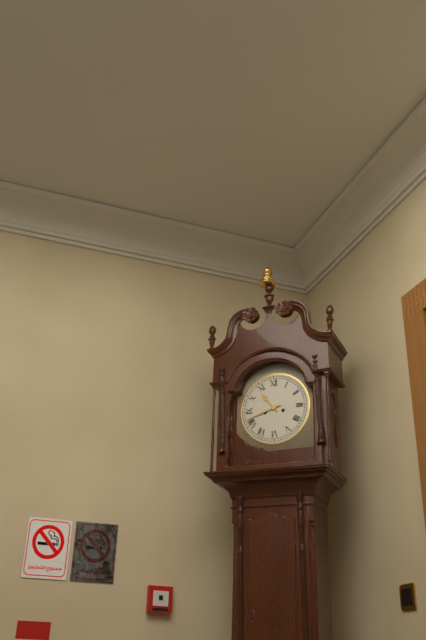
10:42
